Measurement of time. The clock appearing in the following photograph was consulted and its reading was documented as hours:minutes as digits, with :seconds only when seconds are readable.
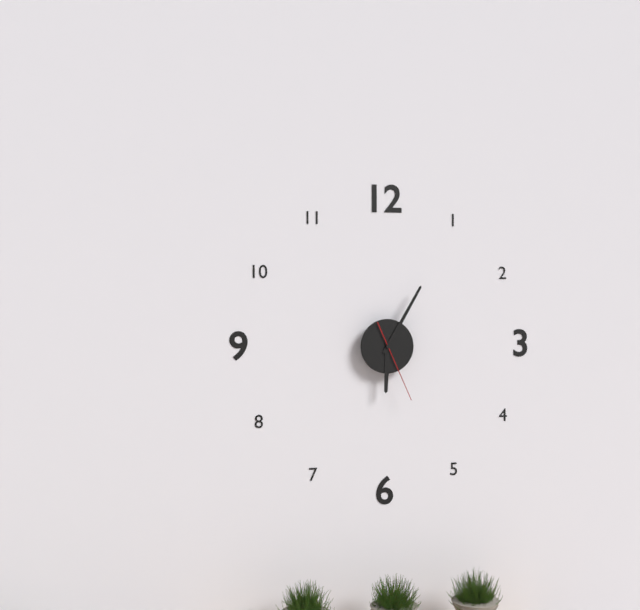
6:05:26
